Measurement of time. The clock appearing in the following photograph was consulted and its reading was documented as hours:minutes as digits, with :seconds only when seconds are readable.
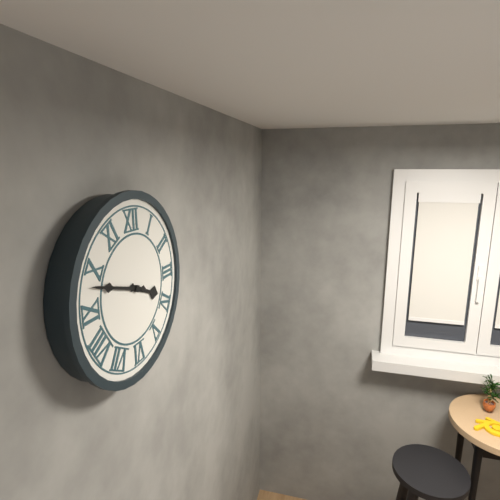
3:48
